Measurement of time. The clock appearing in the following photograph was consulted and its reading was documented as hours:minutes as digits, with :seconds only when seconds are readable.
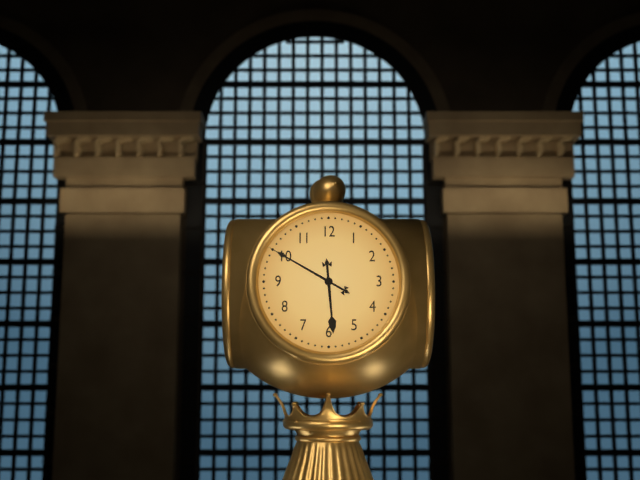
5:50
